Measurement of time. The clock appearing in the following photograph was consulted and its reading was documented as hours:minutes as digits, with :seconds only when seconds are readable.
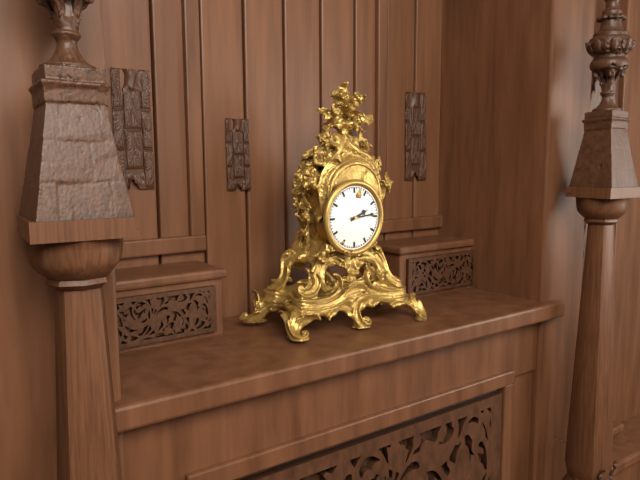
2:14
